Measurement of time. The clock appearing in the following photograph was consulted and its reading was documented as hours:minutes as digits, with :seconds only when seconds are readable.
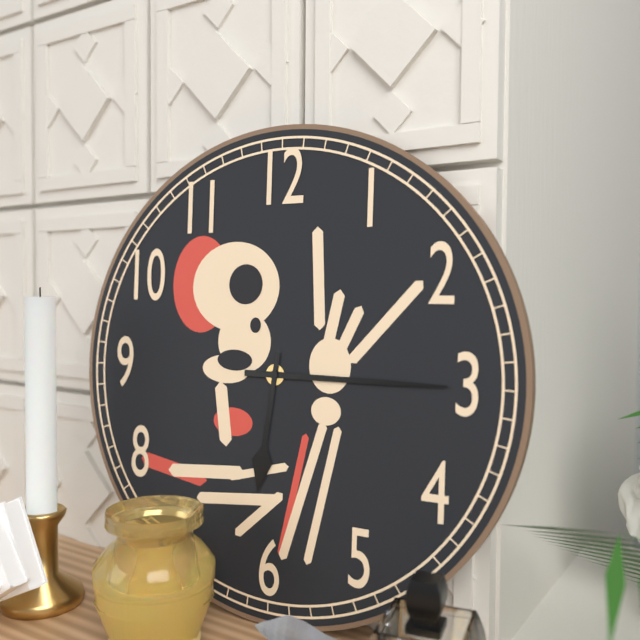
6:15
